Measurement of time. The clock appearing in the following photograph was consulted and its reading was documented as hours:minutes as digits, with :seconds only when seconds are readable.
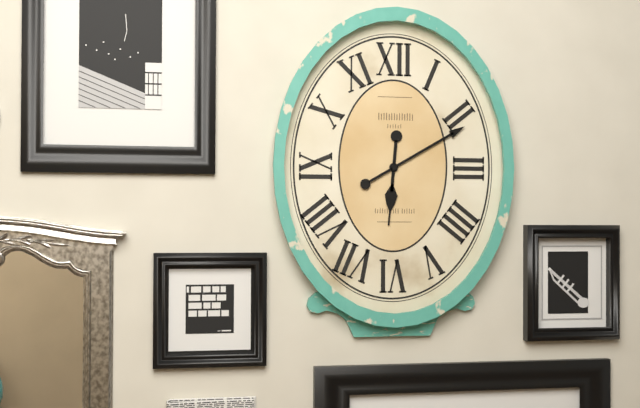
6:10
